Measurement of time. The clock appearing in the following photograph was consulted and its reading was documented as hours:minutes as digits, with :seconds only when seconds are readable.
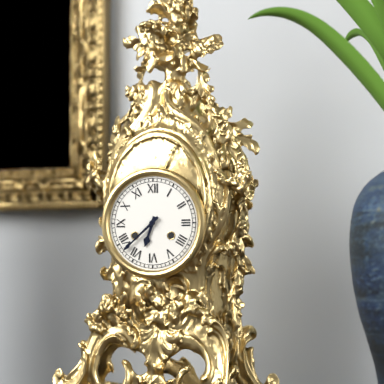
6:38
